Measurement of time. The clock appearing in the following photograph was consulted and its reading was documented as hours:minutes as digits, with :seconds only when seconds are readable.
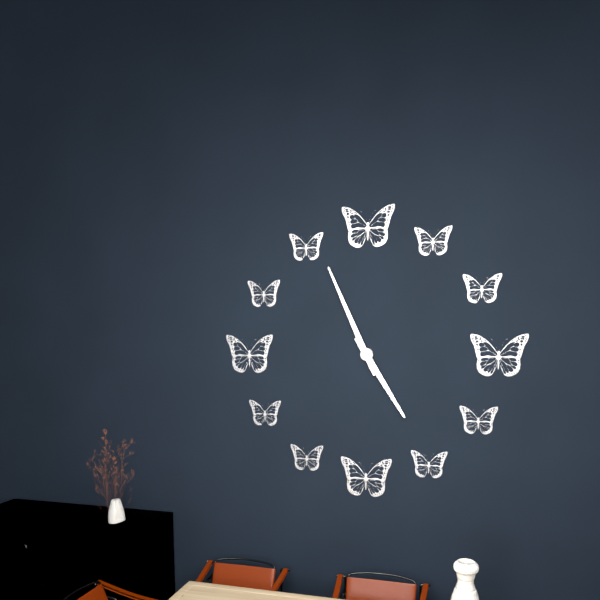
4:56
